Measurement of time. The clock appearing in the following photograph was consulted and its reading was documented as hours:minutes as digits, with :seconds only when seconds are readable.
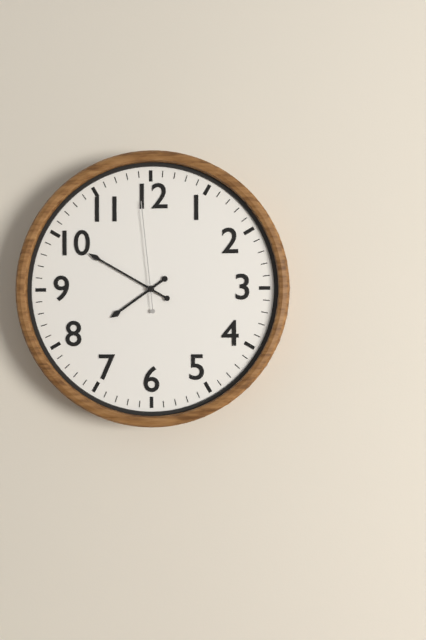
7:50:59
